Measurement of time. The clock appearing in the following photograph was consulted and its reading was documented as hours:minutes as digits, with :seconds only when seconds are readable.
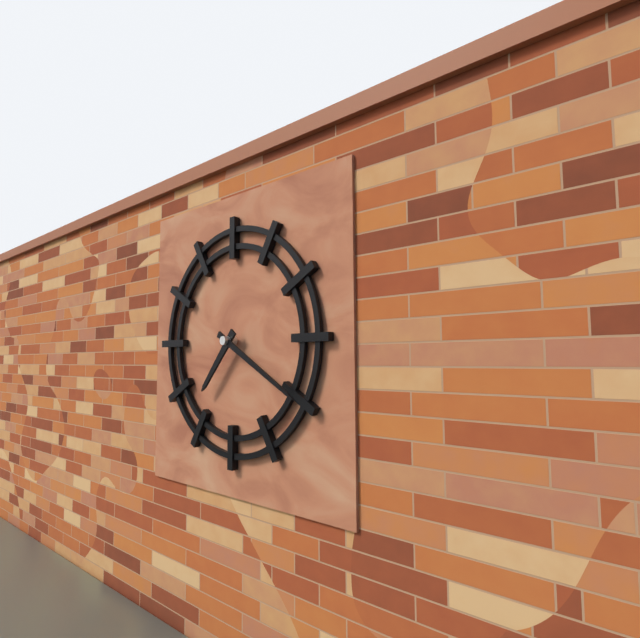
7:20
